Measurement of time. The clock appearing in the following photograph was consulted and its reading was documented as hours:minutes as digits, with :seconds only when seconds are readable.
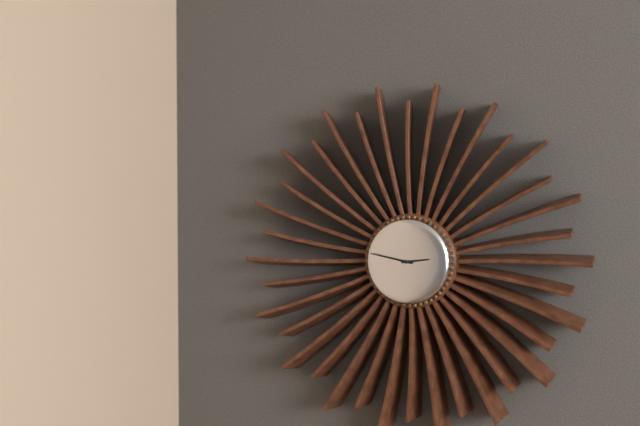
2:47
